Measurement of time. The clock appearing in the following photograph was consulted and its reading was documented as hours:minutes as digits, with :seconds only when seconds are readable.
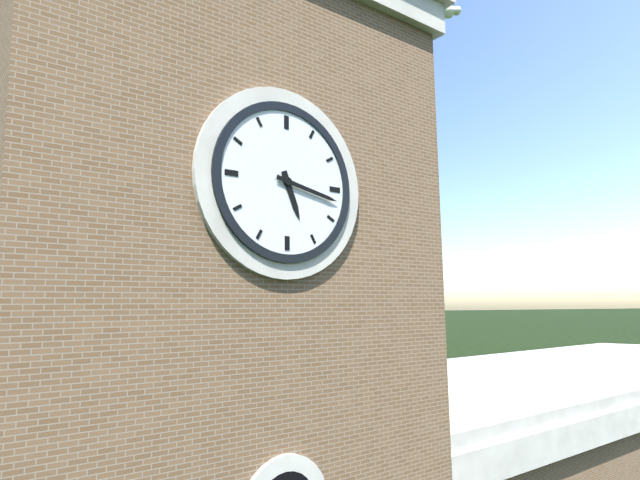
5:17
